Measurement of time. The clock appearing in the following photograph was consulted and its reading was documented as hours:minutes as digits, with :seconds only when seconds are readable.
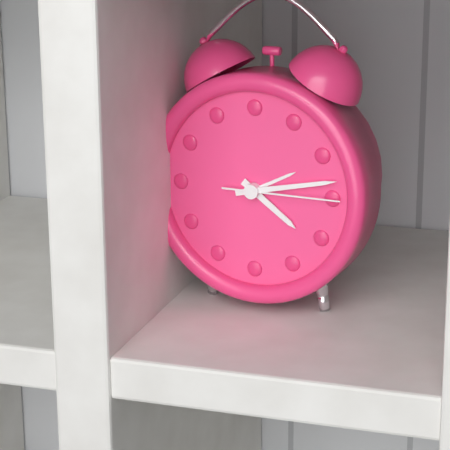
4:13:15
